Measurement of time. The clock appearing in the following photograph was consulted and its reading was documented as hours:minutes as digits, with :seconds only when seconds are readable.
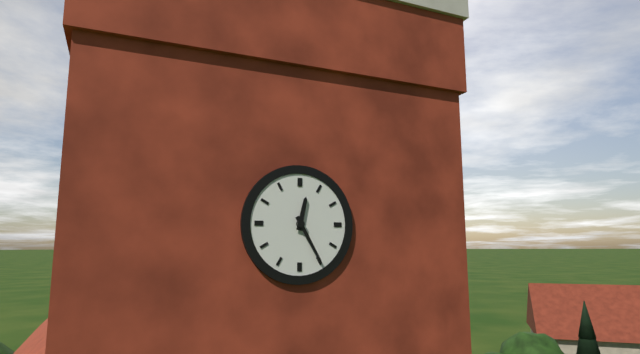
12:25
